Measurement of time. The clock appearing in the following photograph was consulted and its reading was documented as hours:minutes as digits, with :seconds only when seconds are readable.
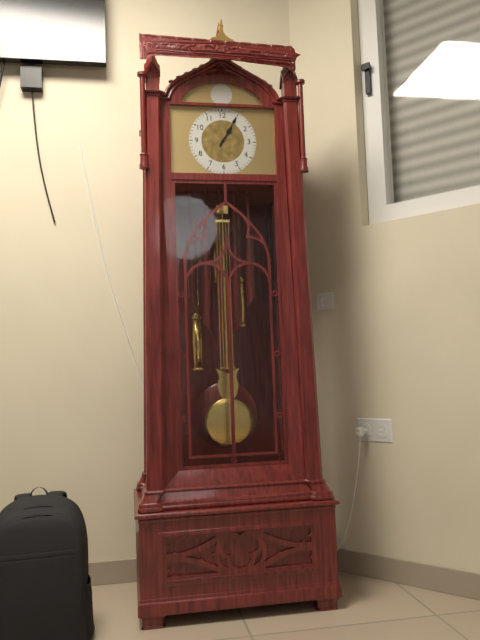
1:05
